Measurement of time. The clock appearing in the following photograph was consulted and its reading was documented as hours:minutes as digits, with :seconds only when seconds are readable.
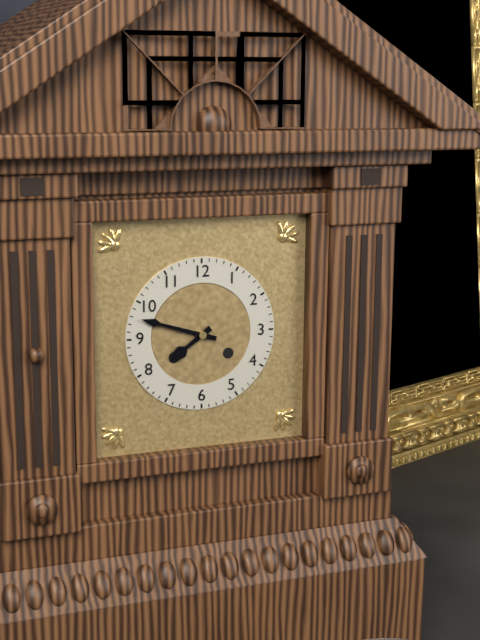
7:48
